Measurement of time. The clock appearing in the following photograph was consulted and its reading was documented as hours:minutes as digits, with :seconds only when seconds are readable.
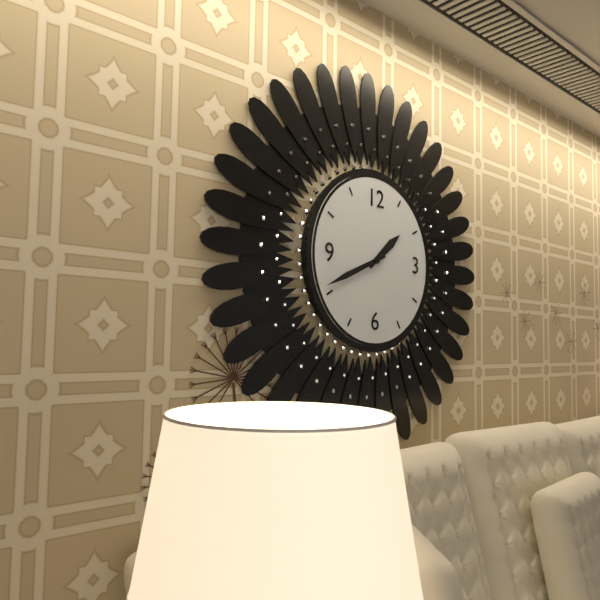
1:41
